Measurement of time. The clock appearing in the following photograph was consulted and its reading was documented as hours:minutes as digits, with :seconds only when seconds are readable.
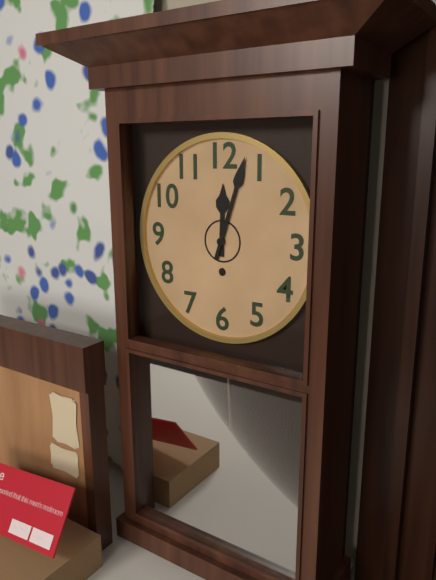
12:03
